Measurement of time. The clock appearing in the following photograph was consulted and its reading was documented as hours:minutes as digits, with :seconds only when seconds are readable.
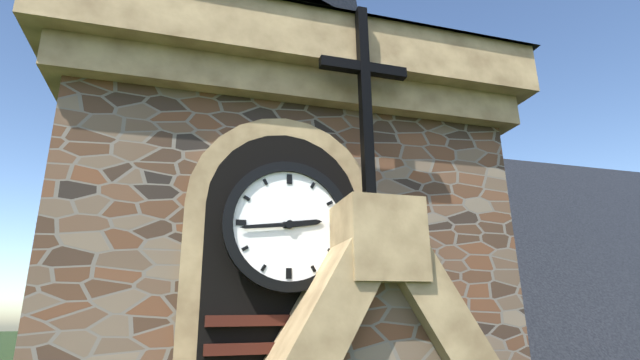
2:44
